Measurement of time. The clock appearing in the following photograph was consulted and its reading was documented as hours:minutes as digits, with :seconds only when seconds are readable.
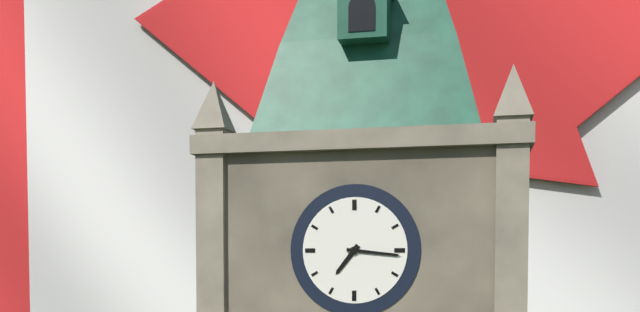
7:16
